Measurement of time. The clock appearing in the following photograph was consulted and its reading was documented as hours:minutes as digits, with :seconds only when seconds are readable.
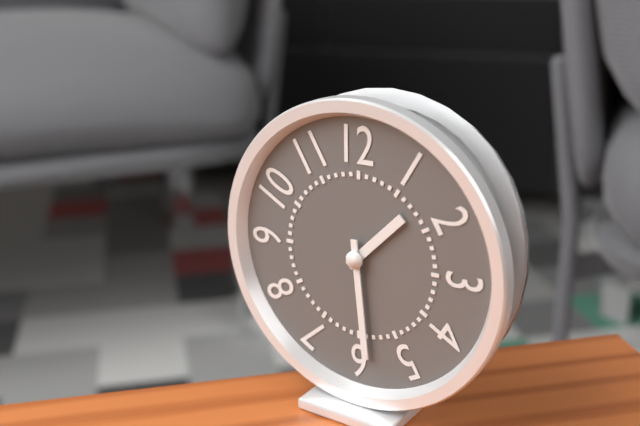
1:29
